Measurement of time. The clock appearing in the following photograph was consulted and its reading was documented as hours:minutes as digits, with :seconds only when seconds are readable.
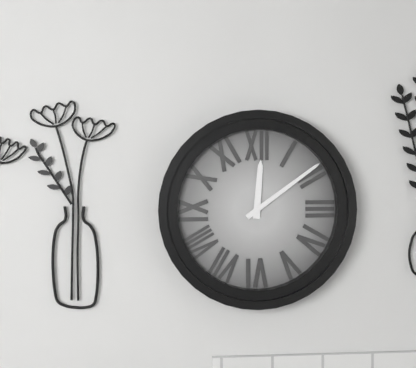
12:09
